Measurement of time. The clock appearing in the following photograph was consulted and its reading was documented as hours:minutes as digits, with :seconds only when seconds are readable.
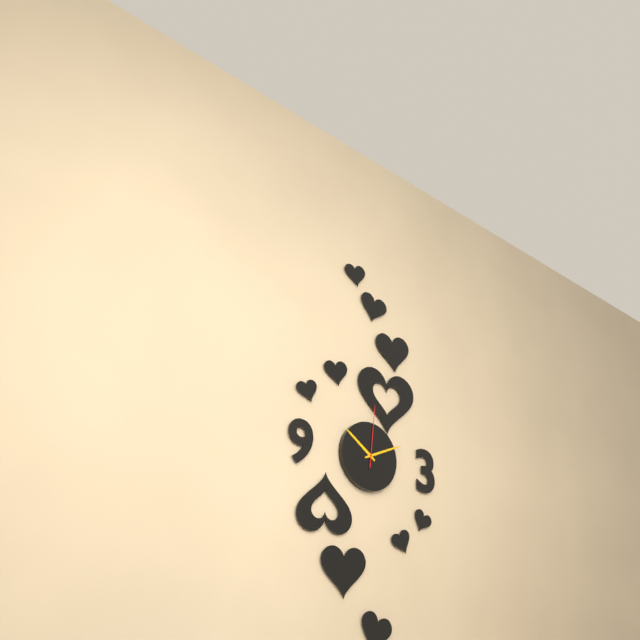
10:11:01
